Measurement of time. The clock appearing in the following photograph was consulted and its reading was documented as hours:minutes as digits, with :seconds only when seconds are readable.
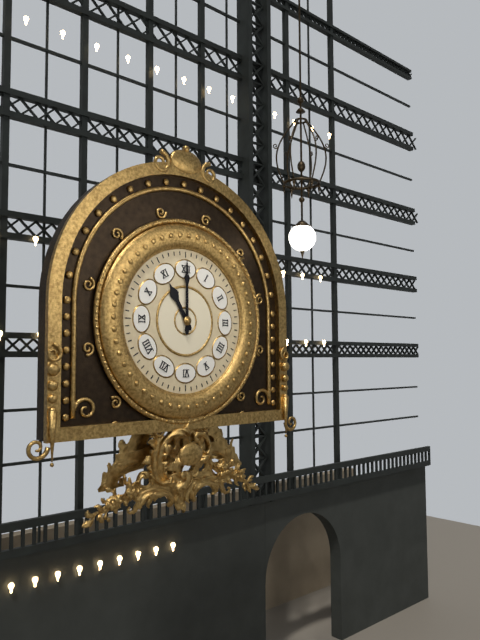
11:00
